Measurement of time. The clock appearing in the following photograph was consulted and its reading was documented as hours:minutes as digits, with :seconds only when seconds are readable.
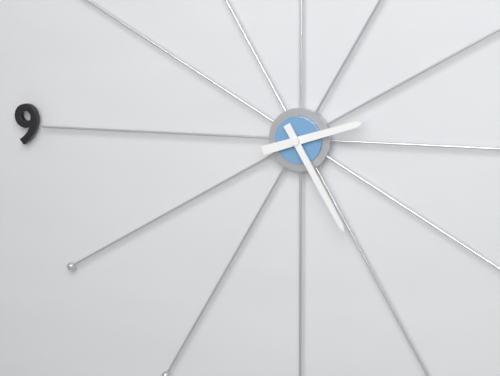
2:25
